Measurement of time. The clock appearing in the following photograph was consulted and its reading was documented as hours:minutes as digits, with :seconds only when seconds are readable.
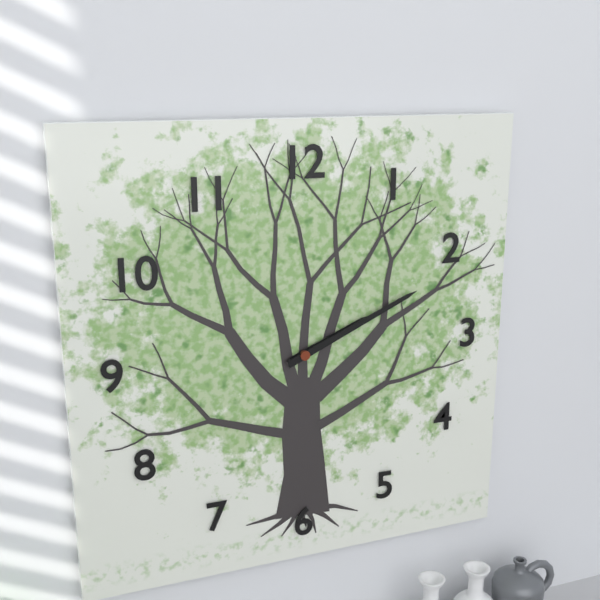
2:11
